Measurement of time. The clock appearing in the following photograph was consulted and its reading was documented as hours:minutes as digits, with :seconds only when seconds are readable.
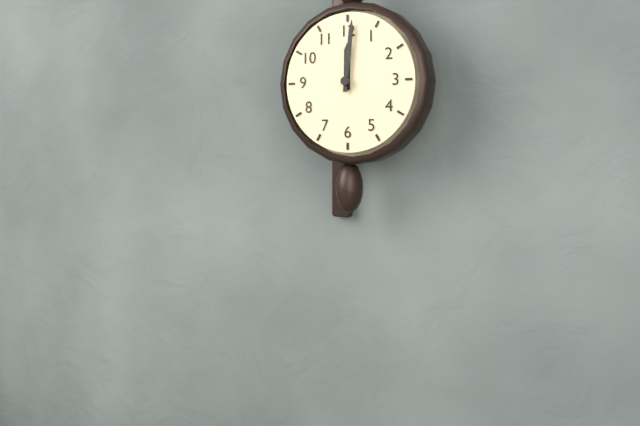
12:01
